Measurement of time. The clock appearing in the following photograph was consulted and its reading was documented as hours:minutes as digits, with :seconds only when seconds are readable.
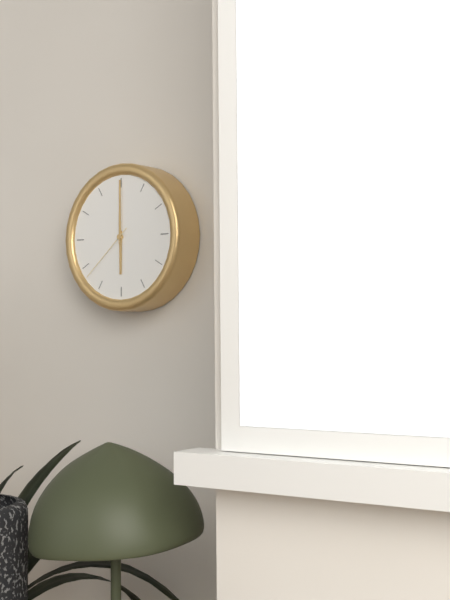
6:00:38
